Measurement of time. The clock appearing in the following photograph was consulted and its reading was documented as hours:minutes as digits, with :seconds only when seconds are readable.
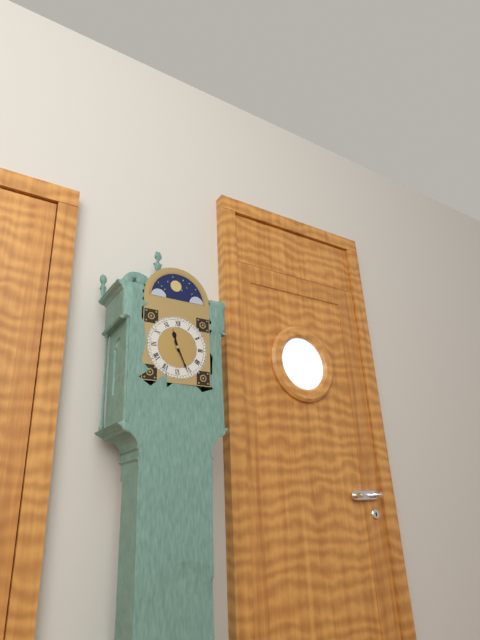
11:26
